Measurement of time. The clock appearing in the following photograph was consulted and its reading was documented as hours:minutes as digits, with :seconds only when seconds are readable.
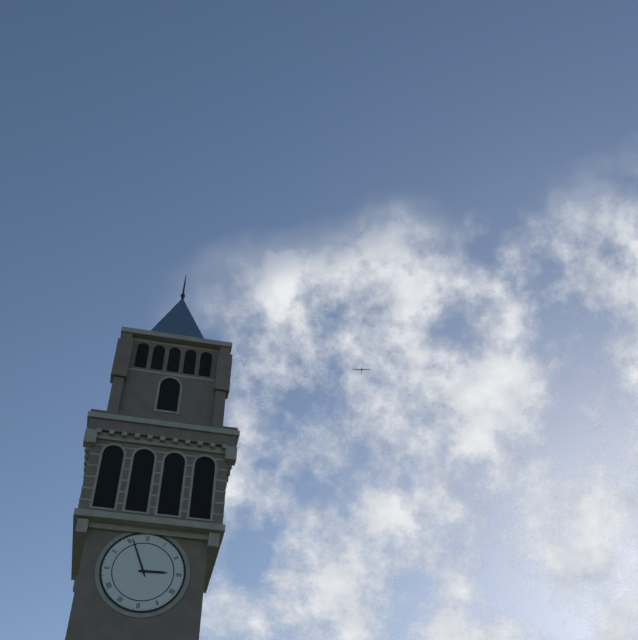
2:56
